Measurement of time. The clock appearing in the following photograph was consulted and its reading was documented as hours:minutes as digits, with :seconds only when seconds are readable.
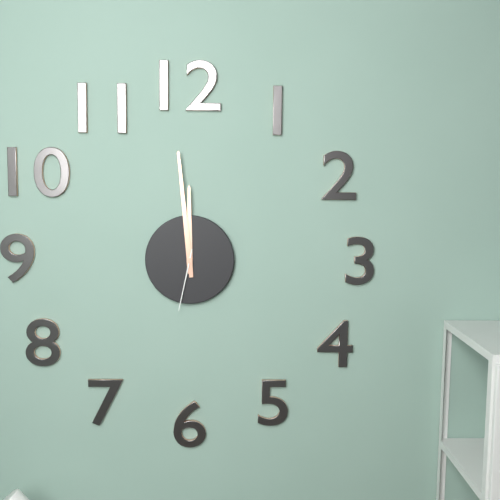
11:59:32
